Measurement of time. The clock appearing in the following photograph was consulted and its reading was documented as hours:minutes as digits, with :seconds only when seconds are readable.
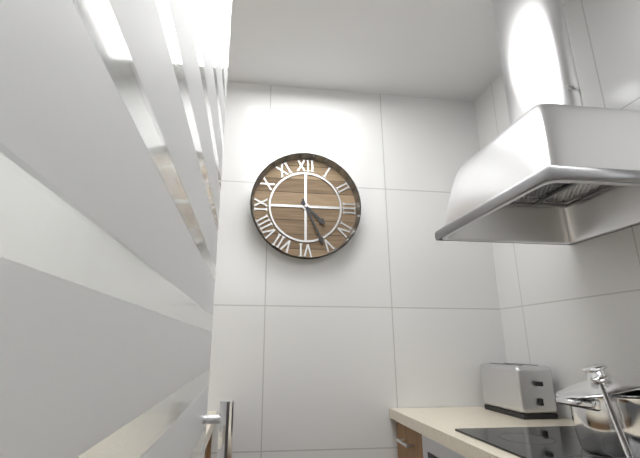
4:26
